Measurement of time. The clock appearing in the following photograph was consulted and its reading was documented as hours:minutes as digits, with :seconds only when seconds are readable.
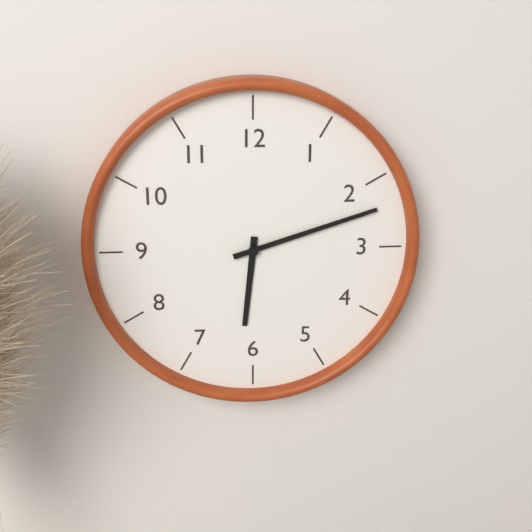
6:12
